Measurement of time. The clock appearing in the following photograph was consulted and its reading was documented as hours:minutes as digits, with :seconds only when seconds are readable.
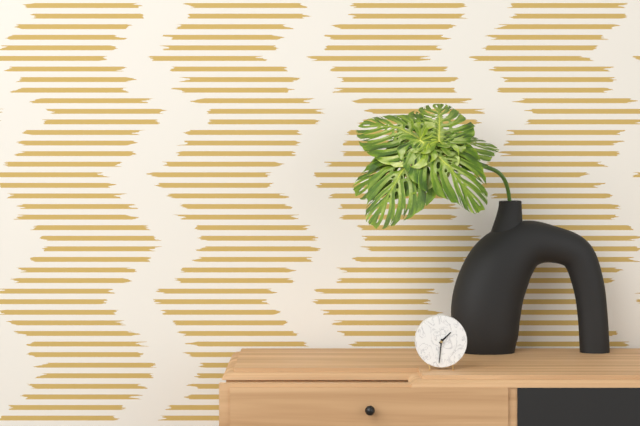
1:31
